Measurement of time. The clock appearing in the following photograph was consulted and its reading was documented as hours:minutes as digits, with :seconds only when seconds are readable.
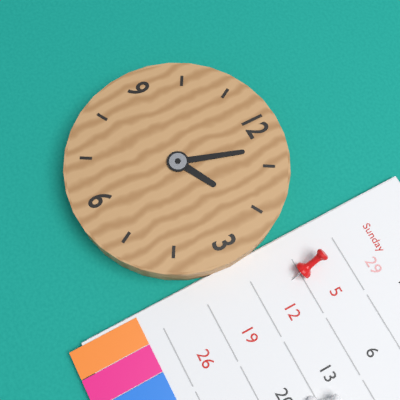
2:03
